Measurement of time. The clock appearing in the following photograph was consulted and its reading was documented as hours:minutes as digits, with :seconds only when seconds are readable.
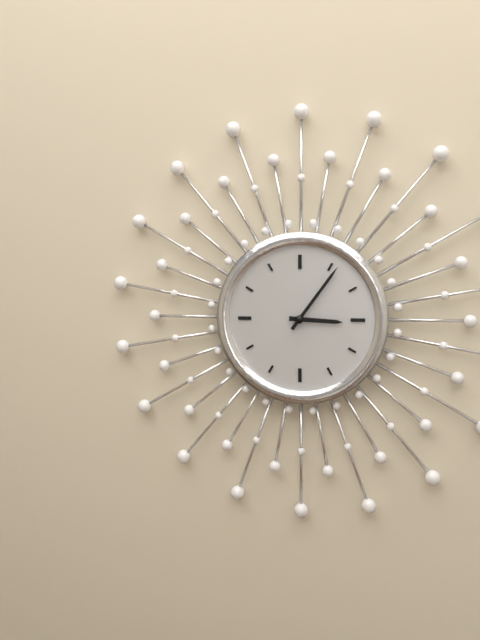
3:06
